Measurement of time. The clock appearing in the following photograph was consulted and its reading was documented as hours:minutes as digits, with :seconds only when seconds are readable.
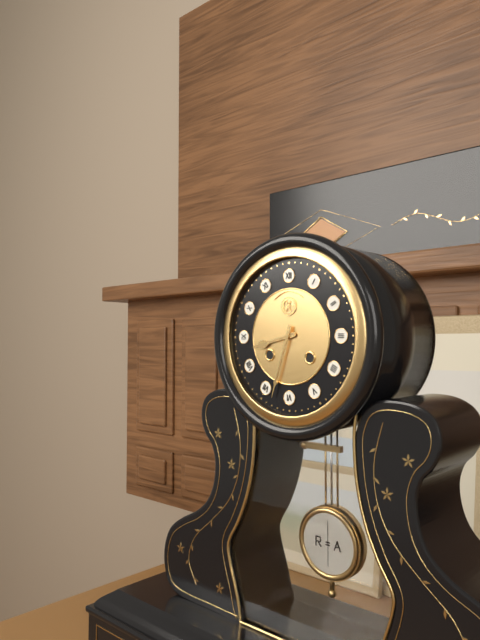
8:33
